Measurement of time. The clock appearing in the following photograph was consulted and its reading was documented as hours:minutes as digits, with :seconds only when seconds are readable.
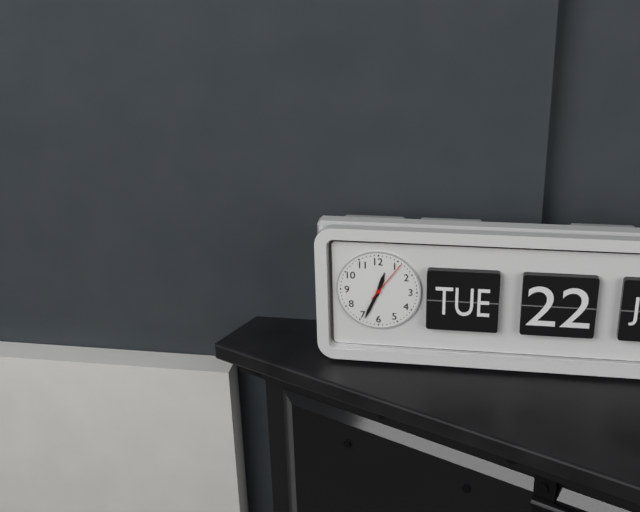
12:34
